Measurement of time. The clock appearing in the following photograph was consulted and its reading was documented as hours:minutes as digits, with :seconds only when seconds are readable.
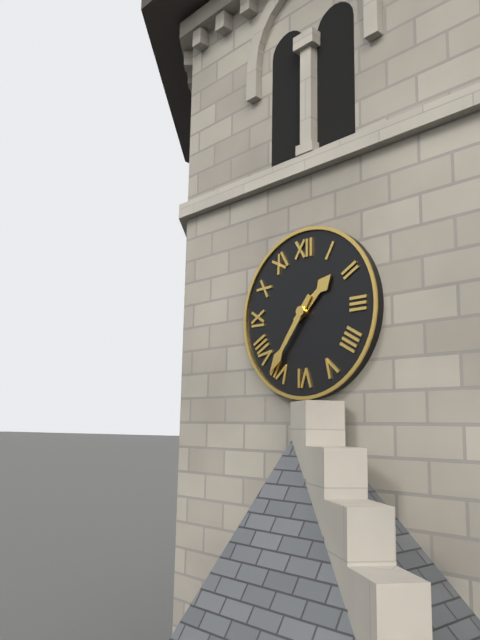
1:36
